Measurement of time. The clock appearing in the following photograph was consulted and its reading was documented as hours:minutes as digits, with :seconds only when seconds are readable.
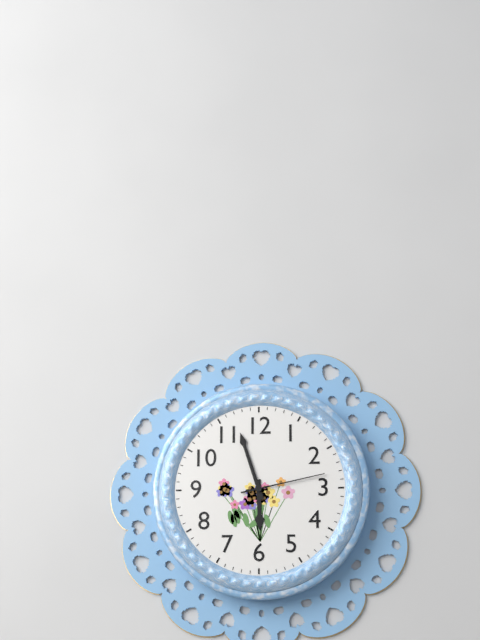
5:57:13
